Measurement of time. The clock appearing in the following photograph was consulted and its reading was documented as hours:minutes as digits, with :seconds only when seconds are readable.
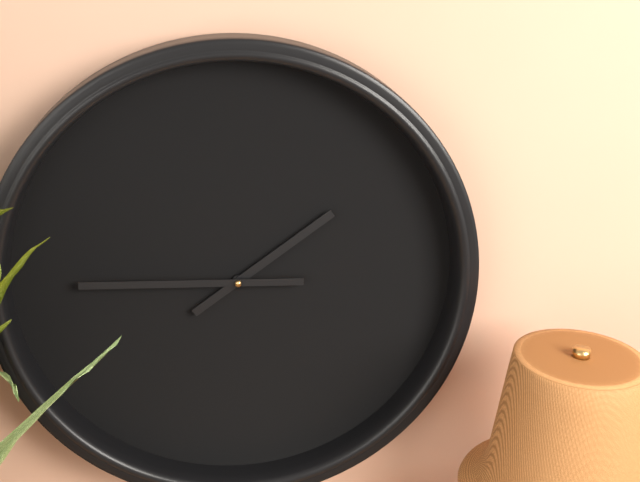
1:45
